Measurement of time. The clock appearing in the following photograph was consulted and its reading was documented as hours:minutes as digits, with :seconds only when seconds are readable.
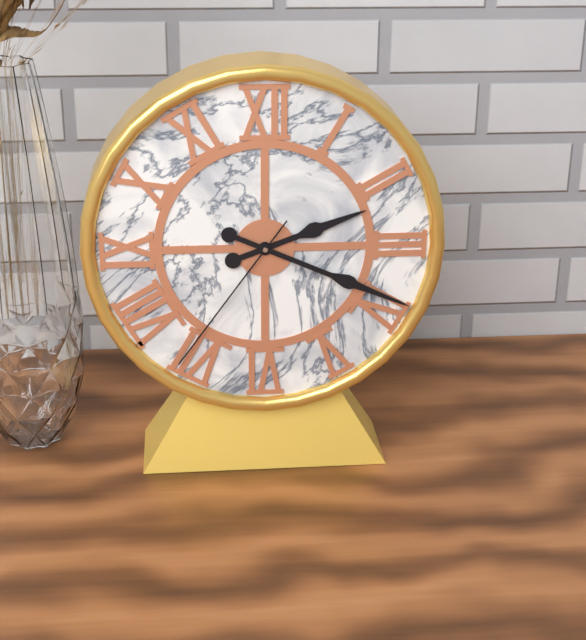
2:19:36
